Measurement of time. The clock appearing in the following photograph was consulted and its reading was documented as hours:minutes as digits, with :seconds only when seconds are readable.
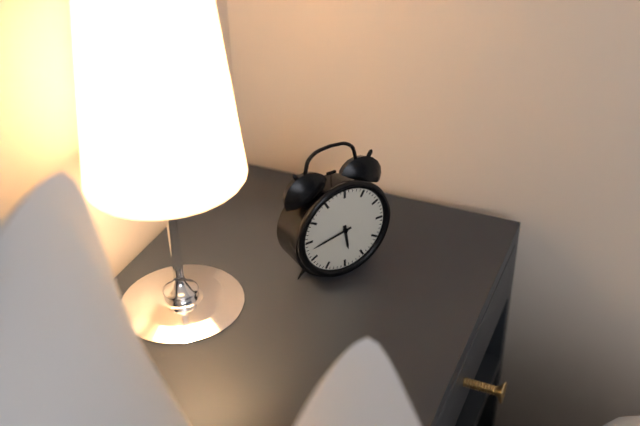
5:43
